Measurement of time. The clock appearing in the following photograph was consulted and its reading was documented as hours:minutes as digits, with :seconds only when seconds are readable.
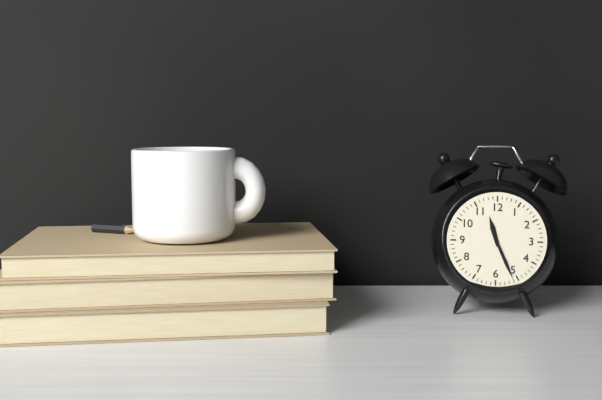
11:26
